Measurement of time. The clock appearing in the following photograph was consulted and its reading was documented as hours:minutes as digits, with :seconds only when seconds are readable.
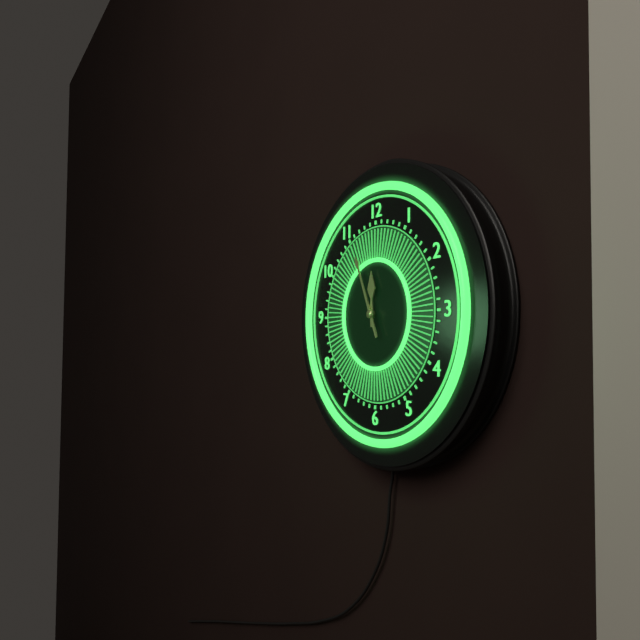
11:56
